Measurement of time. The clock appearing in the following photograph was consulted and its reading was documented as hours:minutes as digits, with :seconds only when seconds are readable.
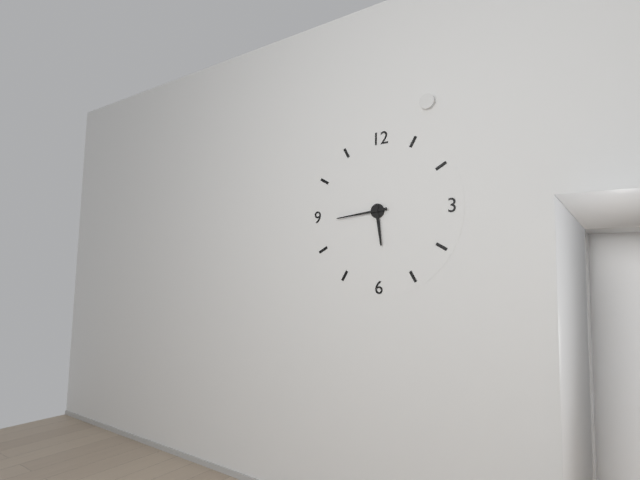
5:44
